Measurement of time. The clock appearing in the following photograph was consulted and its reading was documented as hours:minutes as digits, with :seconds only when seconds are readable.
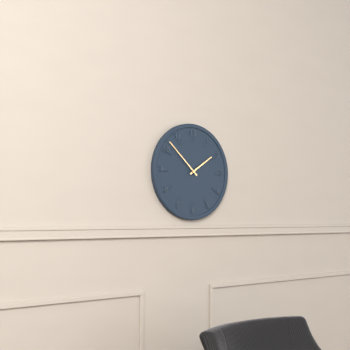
1:52
